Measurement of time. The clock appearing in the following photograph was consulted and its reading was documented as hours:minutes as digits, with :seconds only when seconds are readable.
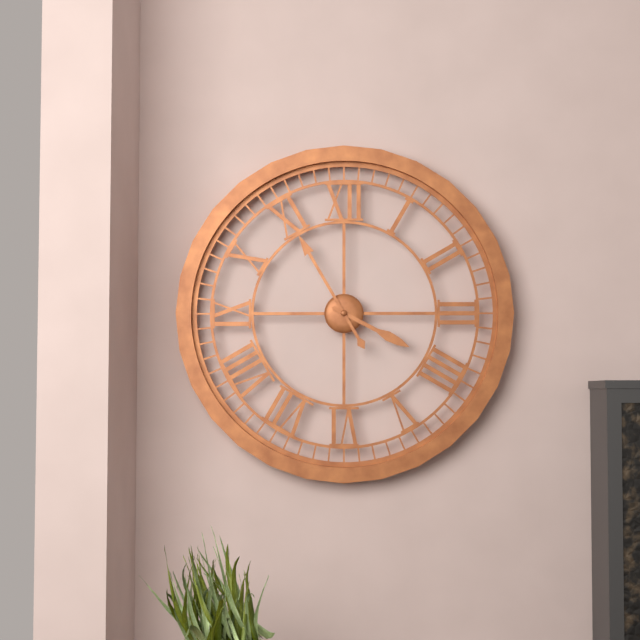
3:55
